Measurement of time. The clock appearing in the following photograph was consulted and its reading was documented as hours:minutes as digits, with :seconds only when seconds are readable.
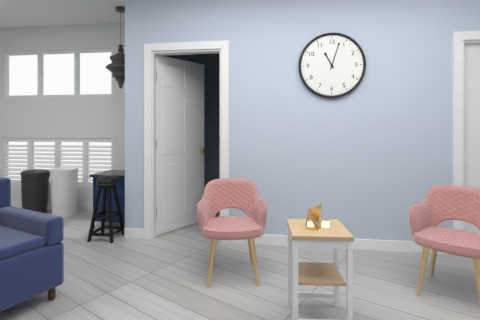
11:03
